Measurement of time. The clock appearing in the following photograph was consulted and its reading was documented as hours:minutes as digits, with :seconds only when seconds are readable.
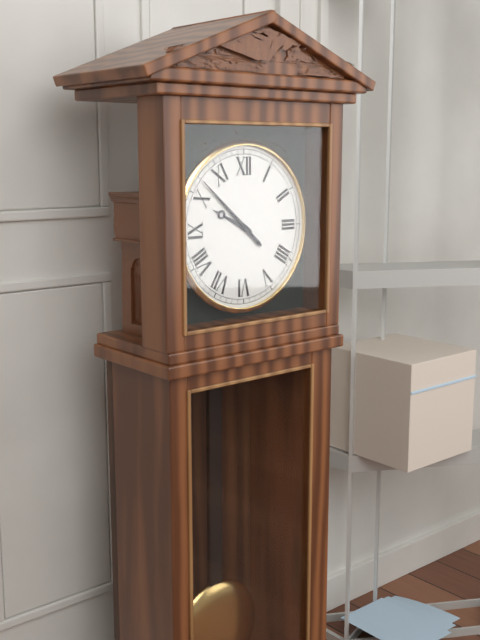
9:52
